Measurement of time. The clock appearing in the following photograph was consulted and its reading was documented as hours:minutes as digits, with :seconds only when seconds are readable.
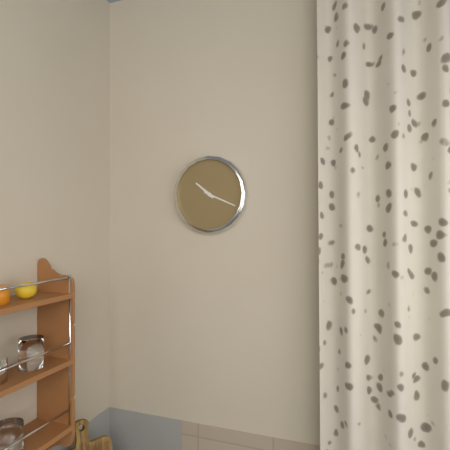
10:19
